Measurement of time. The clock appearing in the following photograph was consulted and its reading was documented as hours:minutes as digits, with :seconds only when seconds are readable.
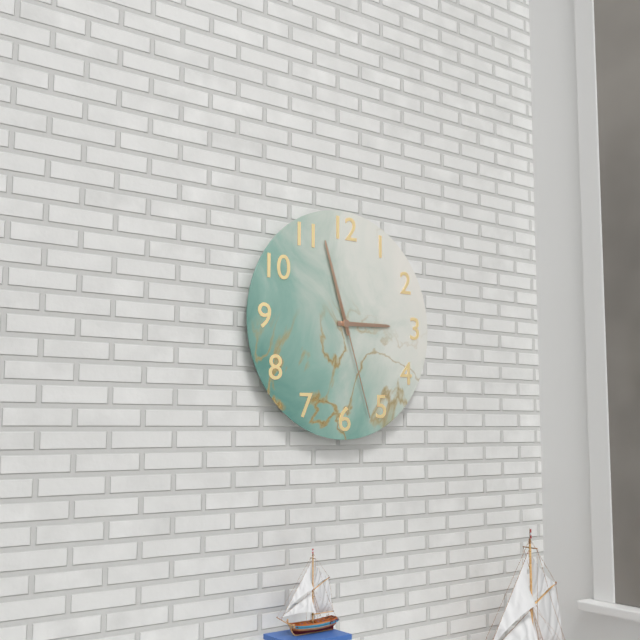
2:57:27
